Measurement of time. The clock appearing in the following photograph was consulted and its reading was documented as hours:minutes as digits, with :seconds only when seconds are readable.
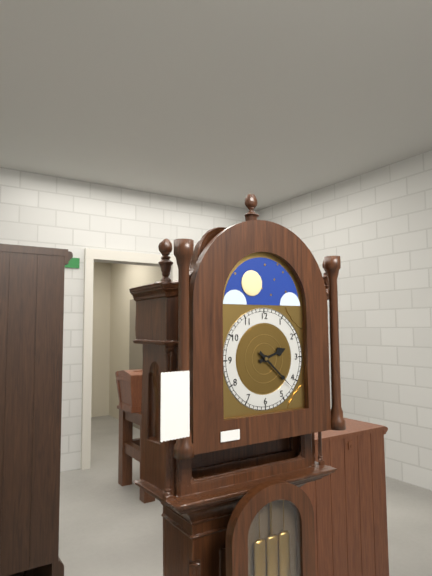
2:22
